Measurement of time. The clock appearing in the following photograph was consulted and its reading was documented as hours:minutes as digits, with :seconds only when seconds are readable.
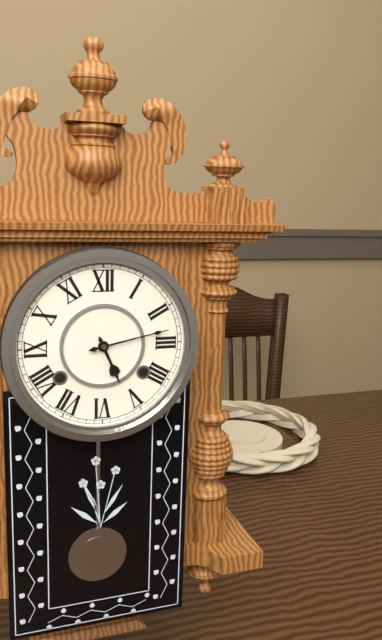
5:13
